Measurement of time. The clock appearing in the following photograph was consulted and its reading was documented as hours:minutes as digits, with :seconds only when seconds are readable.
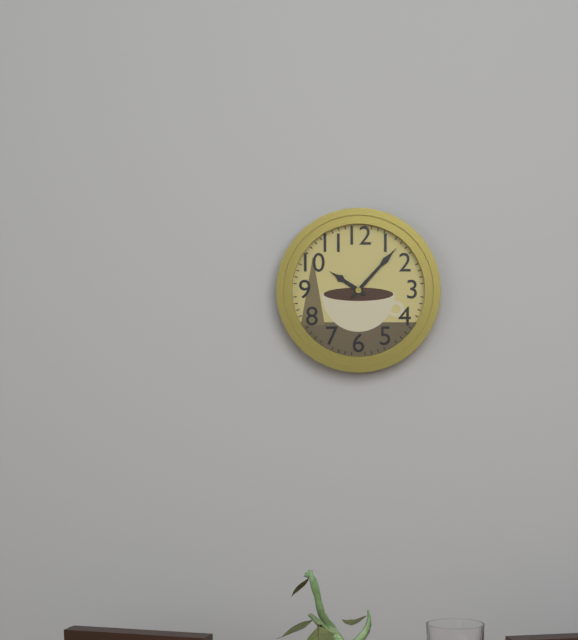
10:07
